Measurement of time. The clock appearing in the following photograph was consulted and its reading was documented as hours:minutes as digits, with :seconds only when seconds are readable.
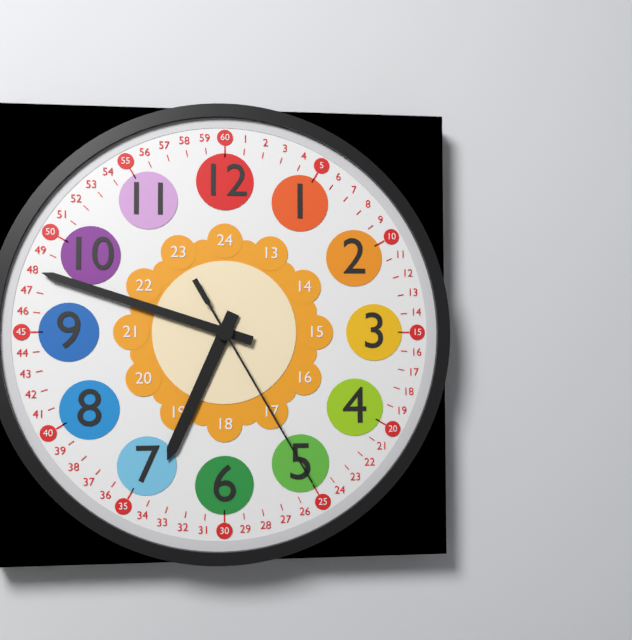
6:48:25
